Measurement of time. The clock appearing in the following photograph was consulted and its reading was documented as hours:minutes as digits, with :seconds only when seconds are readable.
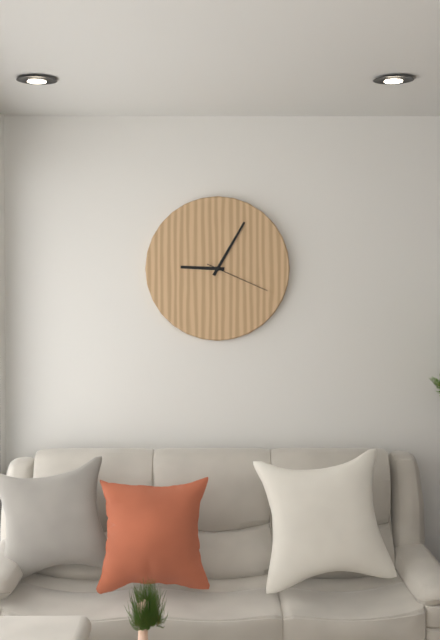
9:05:19
